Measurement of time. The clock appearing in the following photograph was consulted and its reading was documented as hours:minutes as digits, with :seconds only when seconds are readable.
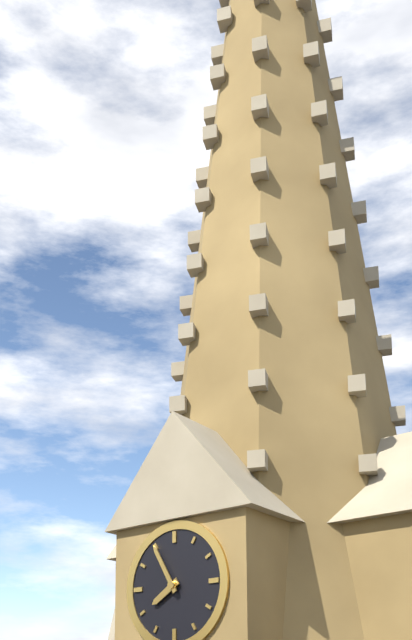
7:55
